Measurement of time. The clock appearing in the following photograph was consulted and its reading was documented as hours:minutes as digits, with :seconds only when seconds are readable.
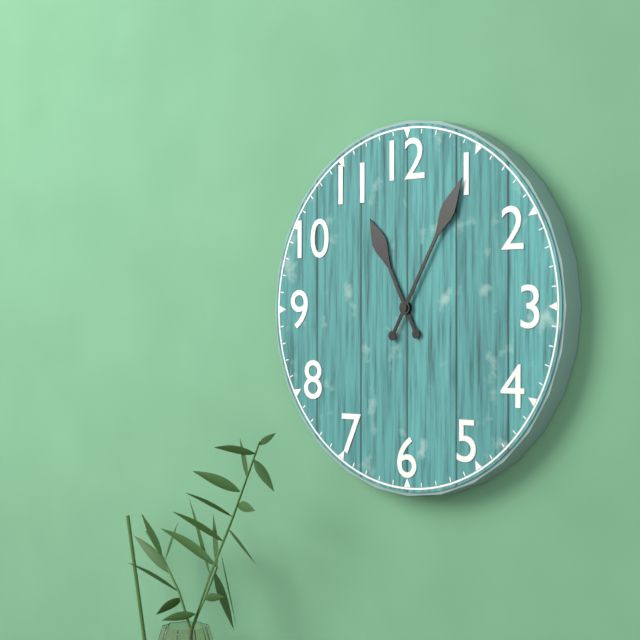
11:05
